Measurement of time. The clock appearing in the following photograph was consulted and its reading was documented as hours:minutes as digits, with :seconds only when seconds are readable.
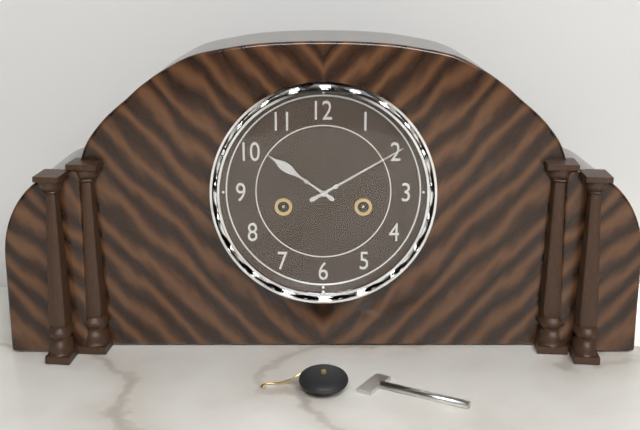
10:10
